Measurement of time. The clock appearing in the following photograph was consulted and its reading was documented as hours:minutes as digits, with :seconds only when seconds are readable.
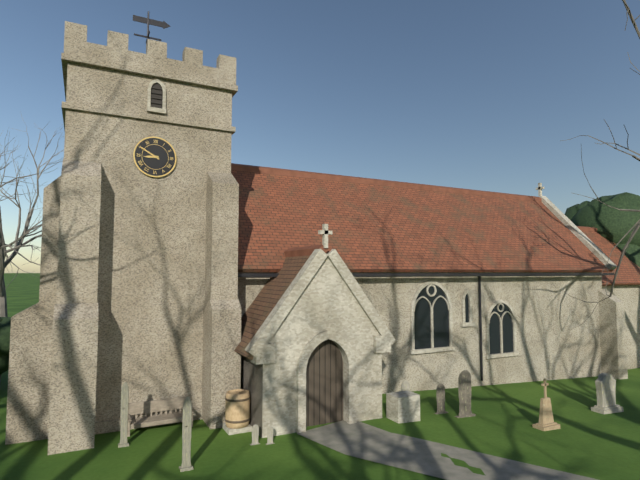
8:50
